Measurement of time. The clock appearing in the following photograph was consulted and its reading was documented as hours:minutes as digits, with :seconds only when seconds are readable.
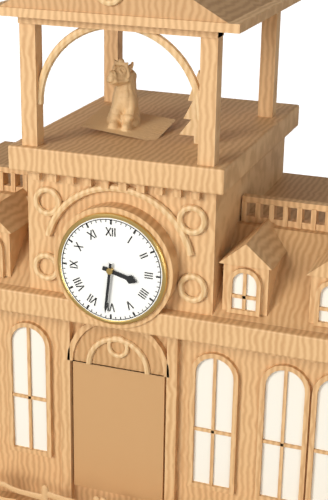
3:31
